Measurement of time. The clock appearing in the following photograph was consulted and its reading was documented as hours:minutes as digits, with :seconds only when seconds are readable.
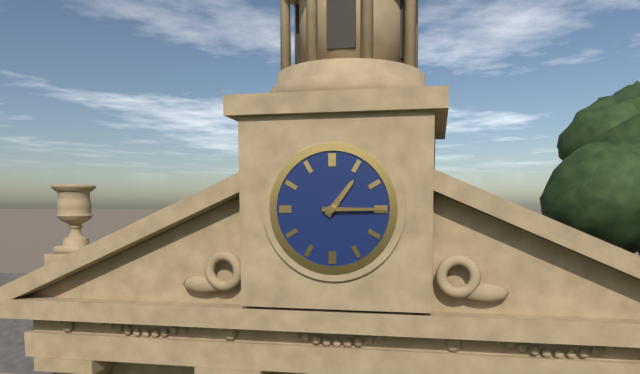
1:15
